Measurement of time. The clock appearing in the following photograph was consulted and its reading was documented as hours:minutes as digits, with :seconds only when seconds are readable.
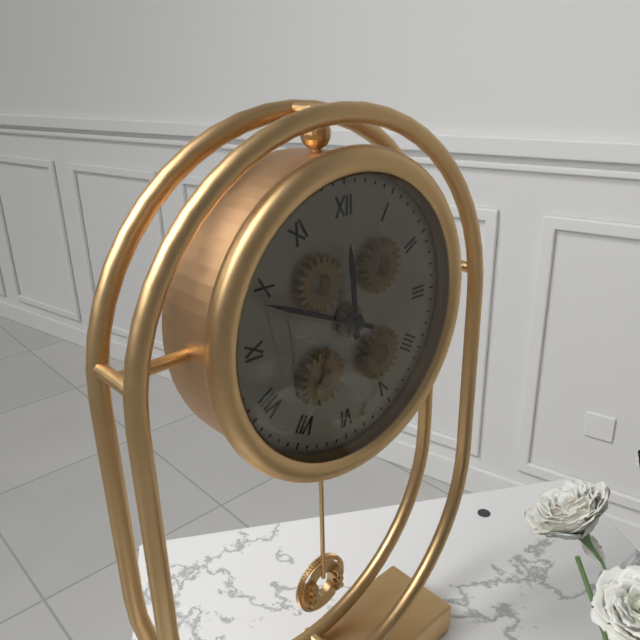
11:49
